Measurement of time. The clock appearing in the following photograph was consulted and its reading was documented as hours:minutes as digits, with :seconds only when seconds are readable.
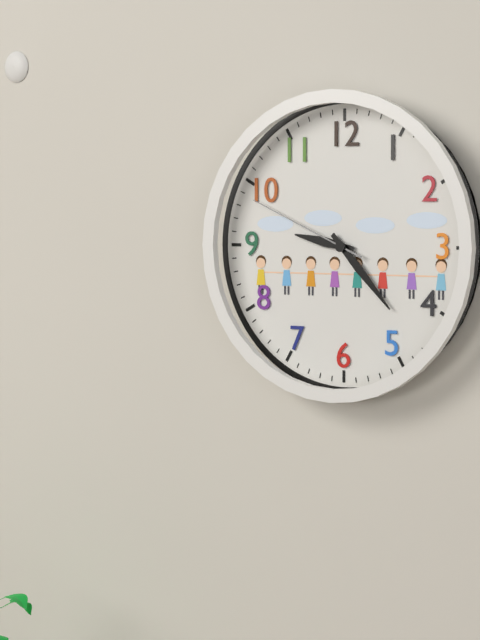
9:23:49
